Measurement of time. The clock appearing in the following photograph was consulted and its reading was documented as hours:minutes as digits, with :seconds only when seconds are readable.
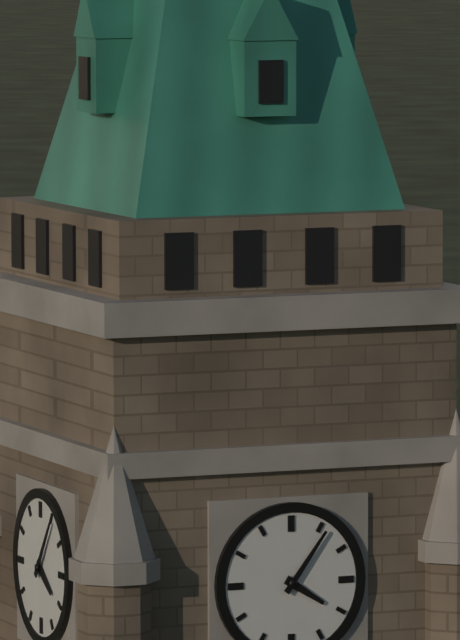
4:06
